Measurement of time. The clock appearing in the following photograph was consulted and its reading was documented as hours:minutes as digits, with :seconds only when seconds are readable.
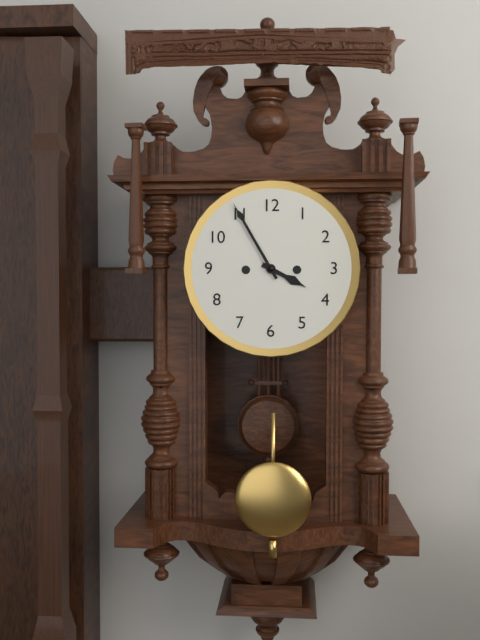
3:55
